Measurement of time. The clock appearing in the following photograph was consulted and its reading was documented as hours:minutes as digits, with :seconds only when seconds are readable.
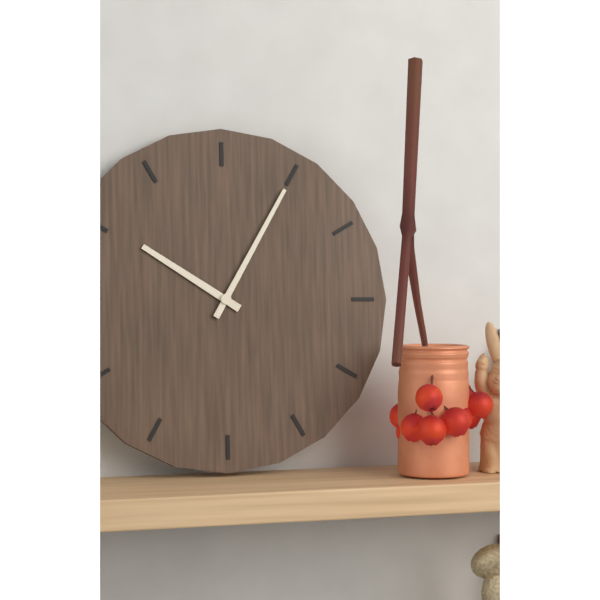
10:05
